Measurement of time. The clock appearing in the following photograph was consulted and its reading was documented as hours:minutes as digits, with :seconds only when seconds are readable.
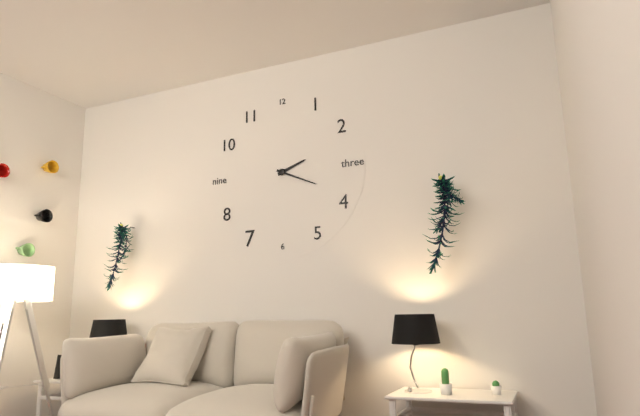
2:19
